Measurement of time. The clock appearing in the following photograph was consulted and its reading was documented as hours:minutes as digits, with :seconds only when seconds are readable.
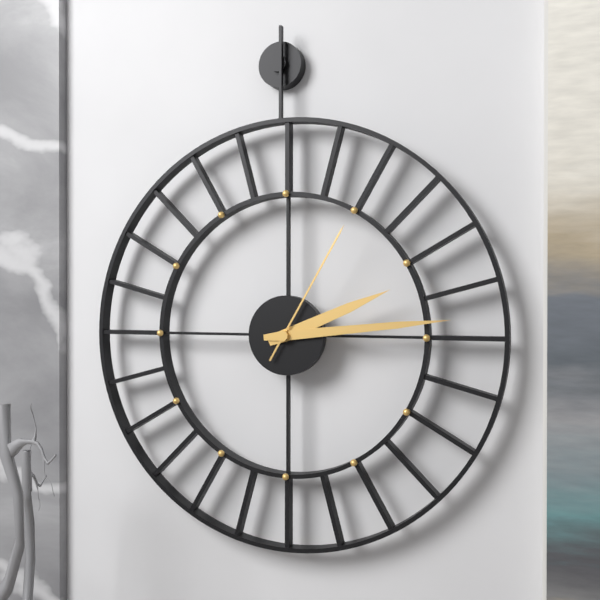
2:14:05
